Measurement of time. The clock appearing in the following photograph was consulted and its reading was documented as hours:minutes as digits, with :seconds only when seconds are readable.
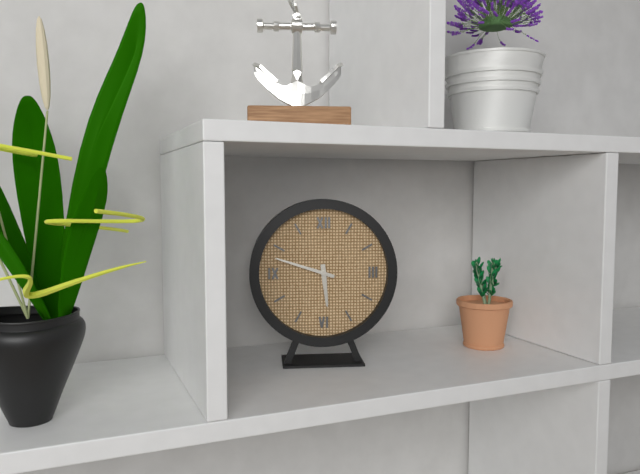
5:48
